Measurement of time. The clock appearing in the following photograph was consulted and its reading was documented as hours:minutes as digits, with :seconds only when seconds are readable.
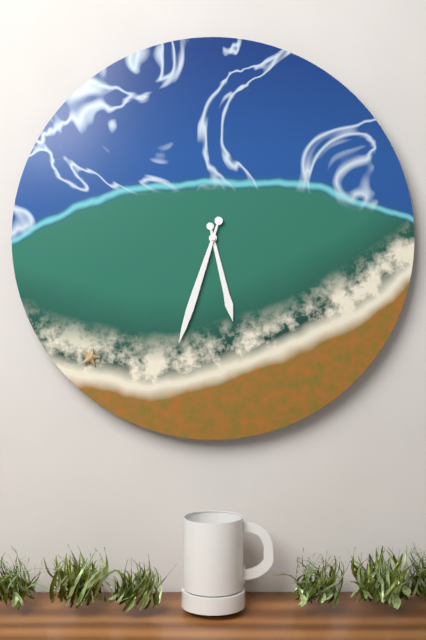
5:33
